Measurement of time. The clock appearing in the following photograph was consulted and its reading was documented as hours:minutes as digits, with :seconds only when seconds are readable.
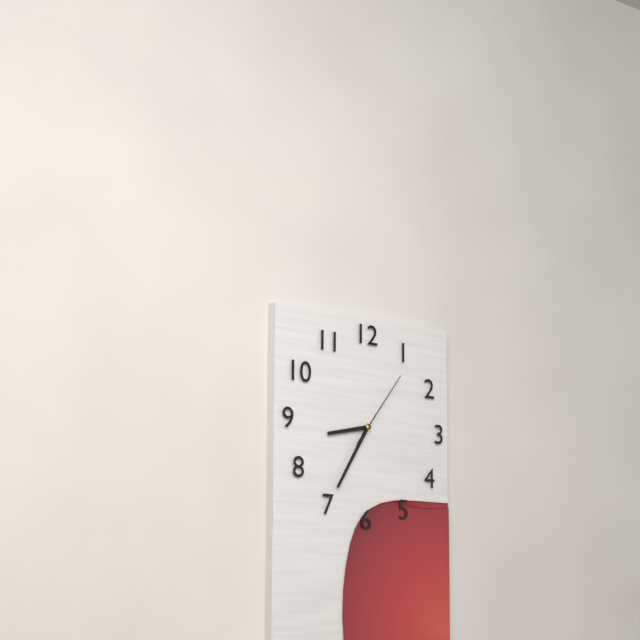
8:35:06
